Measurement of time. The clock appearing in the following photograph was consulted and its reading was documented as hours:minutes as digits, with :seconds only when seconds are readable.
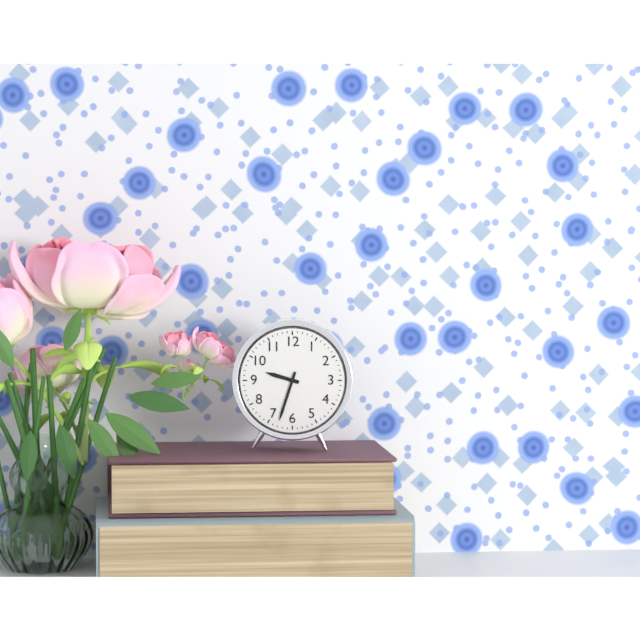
9:33
